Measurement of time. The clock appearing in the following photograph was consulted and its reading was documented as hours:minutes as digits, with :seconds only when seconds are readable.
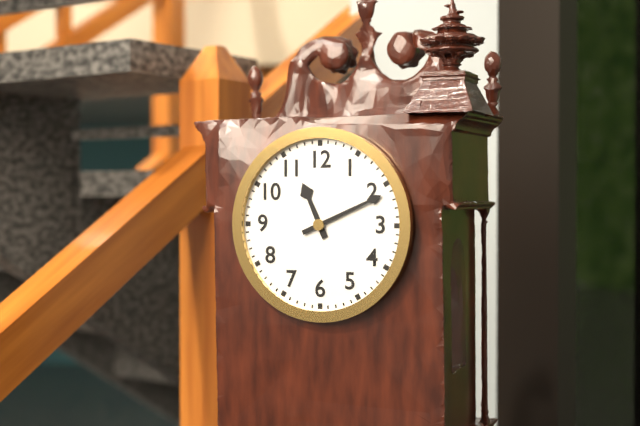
11:11
